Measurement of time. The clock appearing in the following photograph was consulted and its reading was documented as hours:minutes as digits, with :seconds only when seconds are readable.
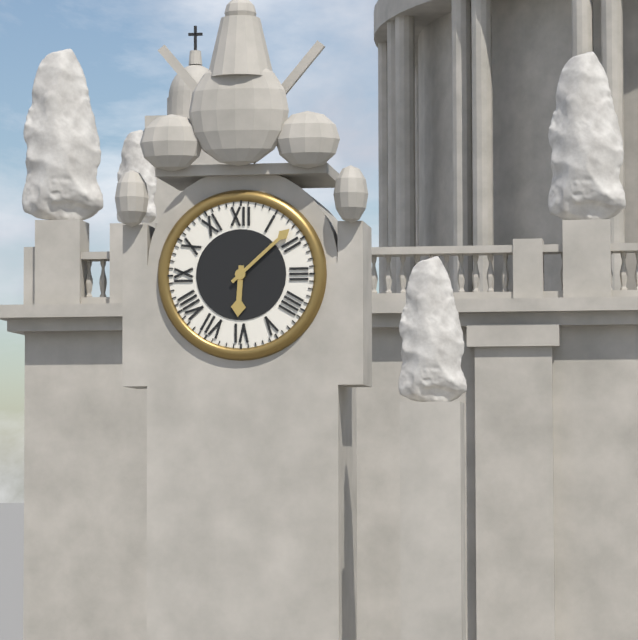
6:08
